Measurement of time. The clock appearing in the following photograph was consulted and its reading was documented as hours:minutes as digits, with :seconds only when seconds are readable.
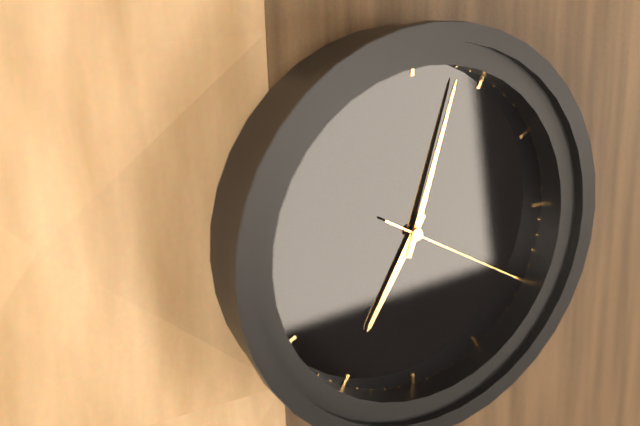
7:03:20
